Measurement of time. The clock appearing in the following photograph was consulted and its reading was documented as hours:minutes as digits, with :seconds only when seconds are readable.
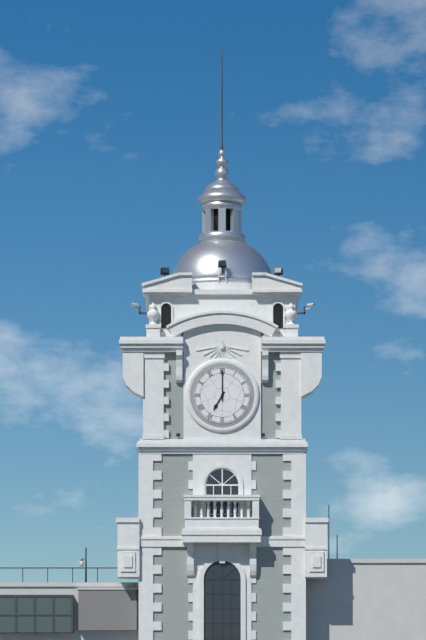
7:00
